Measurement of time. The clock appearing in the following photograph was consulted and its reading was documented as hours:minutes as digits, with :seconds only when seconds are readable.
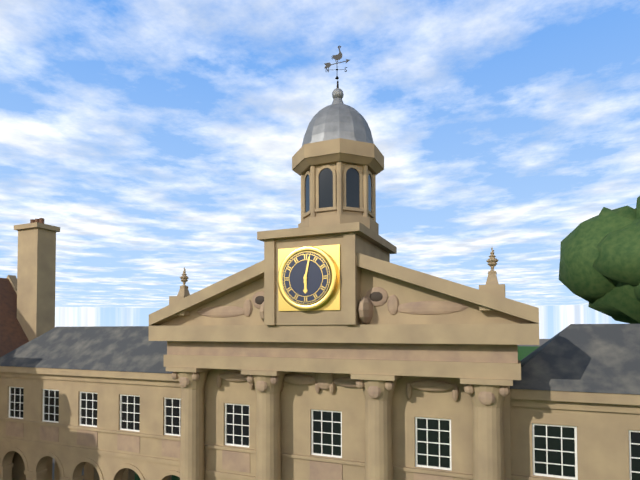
6:02
